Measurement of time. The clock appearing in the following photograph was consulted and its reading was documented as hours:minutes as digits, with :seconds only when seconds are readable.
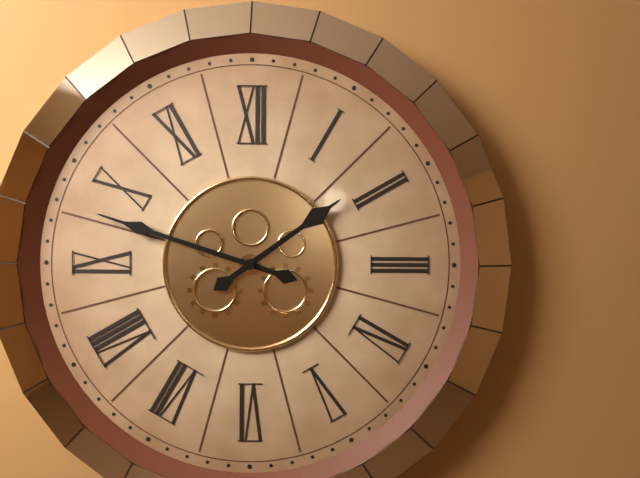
1:48
